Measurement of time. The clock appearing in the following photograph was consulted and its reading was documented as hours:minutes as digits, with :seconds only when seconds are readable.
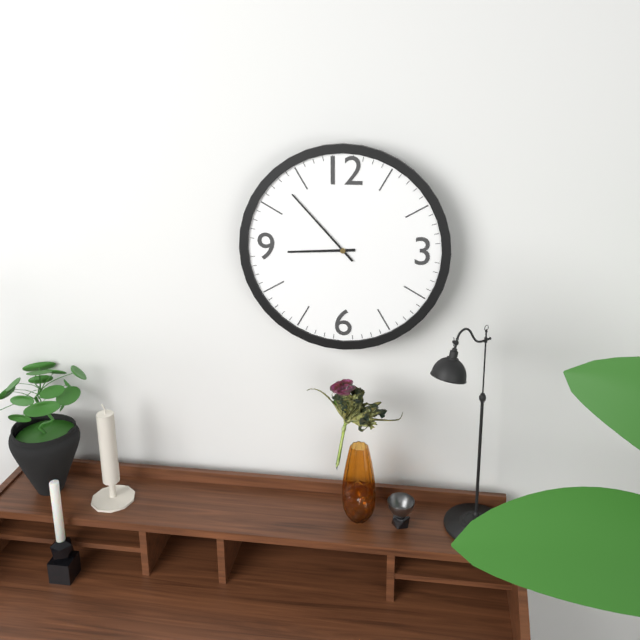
8:53
